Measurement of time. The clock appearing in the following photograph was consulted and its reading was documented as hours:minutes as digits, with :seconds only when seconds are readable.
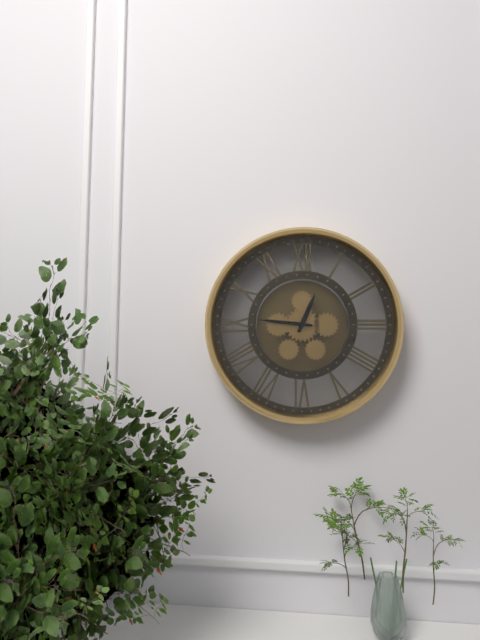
12:46
